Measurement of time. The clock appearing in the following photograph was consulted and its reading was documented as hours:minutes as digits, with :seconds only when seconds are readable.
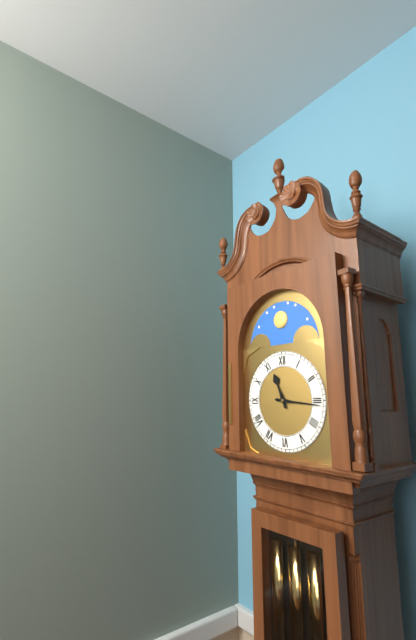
11:16
